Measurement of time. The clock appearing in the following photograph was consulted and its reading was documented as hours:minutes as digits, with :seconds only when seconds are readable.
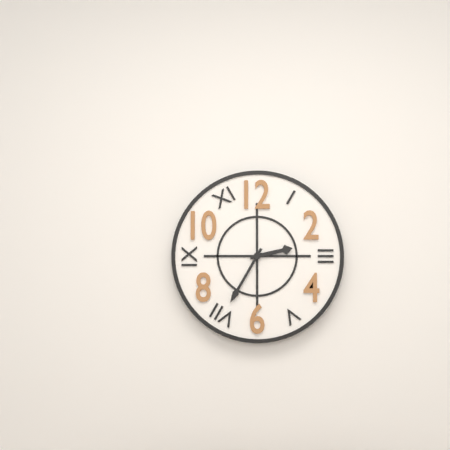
2:35
